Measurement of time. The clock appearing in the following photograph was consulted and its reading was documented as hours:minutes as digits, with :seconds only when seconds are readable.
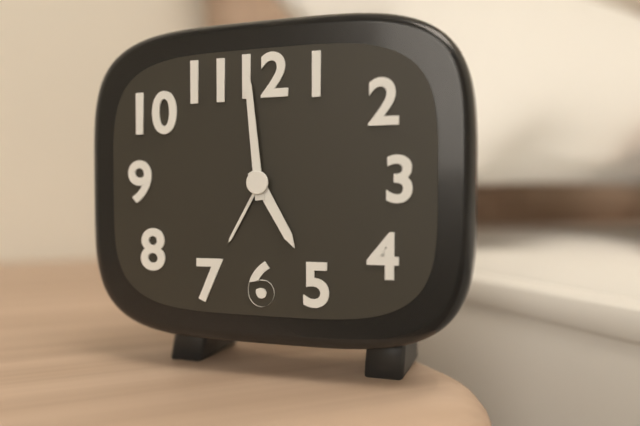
4:59
